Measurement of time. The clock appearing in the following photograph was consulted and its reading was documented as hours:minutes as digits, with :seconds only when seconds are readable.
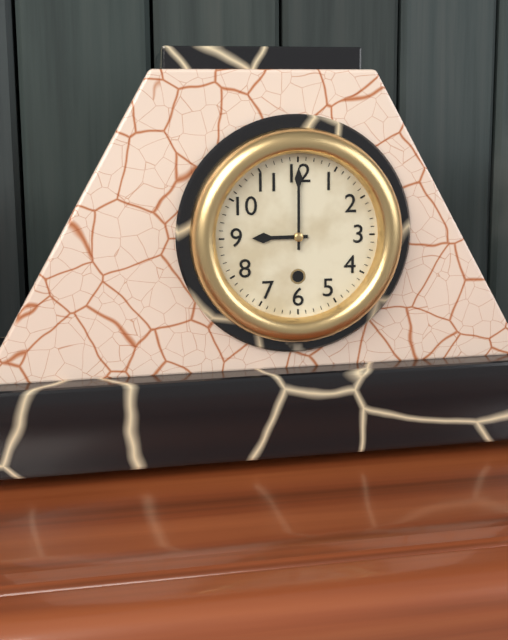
9:00
